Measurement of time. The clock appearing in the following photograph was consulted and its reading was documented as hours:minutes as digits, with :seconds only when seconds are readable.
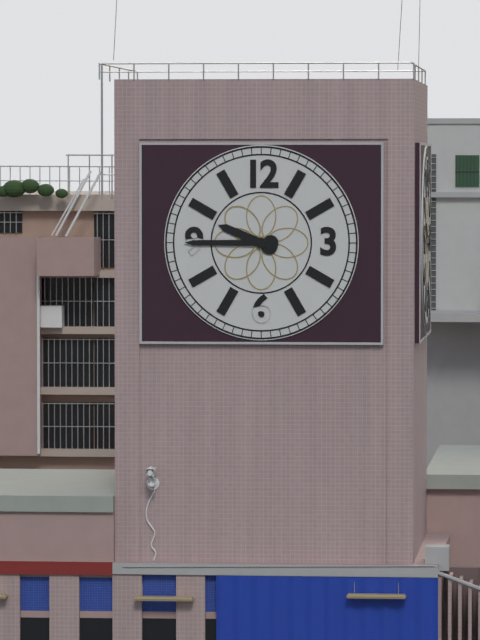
9:45
